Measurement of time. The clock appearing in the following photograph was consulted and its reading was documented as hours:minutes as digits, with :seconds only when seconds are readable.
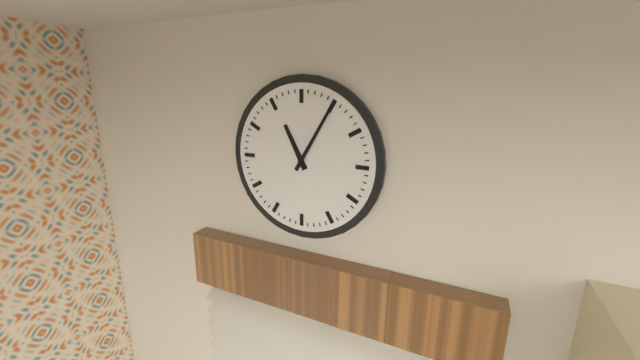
11:05
